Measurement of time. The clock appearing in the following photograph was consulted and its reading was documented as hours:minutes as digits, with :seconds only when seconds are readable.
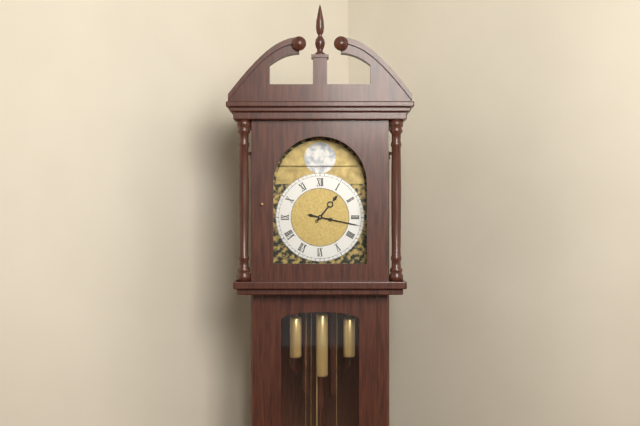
1:17
